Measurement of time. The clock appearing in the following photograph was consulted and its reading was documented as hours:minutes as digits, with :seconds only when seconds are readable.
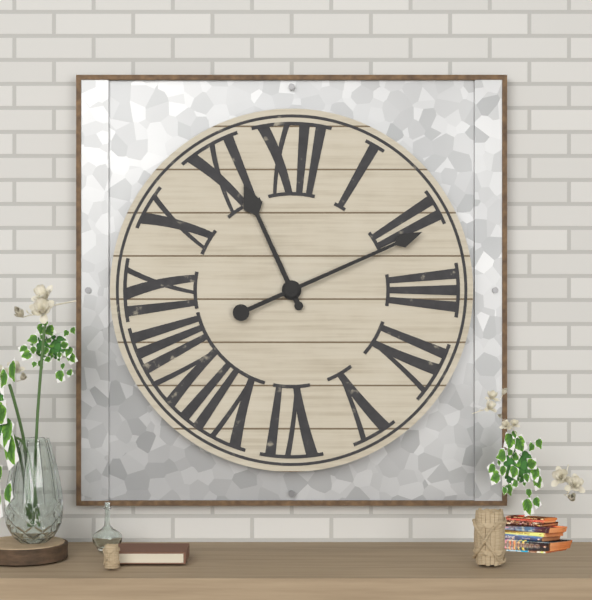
11:11
